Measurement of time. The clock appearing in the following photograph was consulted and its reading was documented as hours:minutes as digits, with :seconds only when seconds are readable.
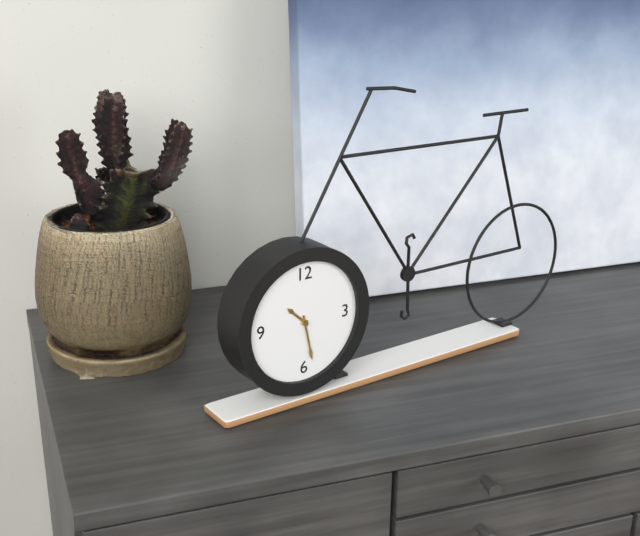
10:28
